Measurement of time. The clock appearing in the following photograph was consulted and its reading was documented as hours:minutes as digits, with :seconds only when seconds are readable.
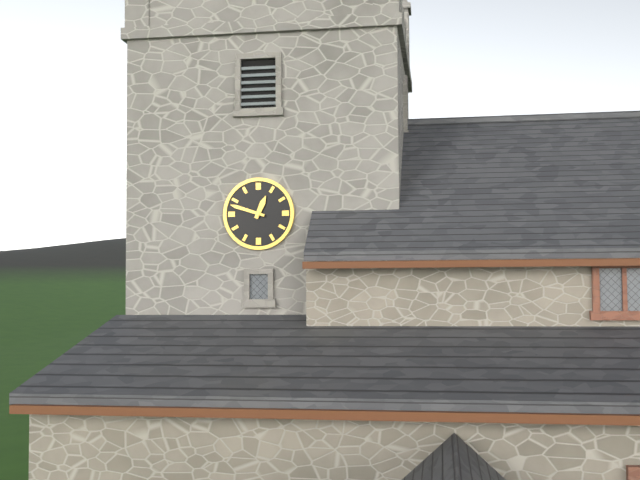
12:48
